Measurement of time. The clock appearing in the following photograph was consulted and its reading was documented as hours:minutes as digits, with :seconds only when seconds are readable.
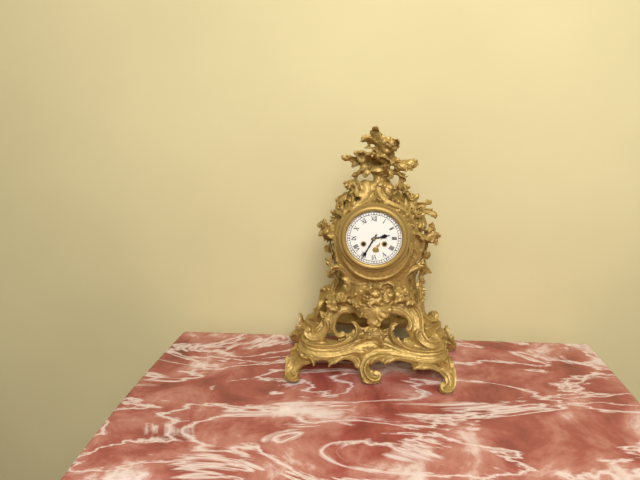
2:35
